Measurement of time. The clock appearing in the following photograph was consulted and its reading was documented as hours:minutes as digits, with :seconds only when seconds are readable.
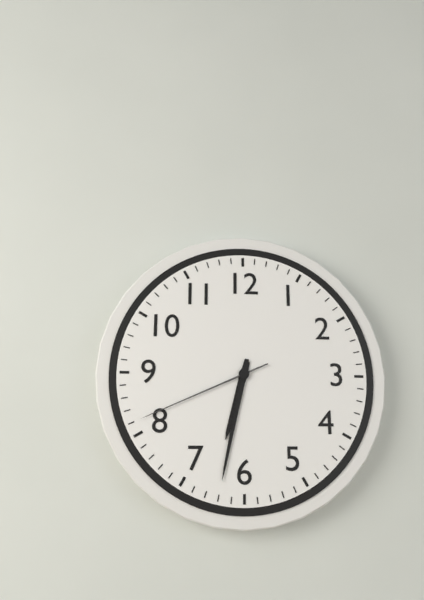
6:32:41
